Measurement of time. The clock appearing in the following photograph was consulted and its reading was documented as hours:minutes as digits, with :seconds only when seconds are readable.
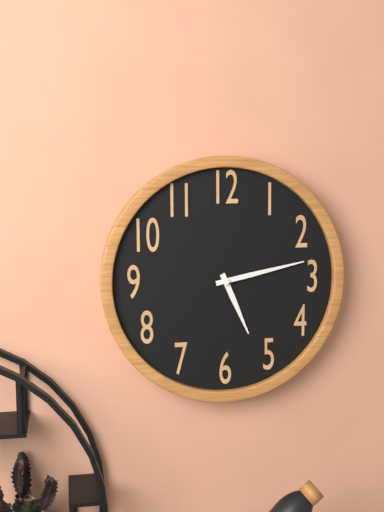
5:13
